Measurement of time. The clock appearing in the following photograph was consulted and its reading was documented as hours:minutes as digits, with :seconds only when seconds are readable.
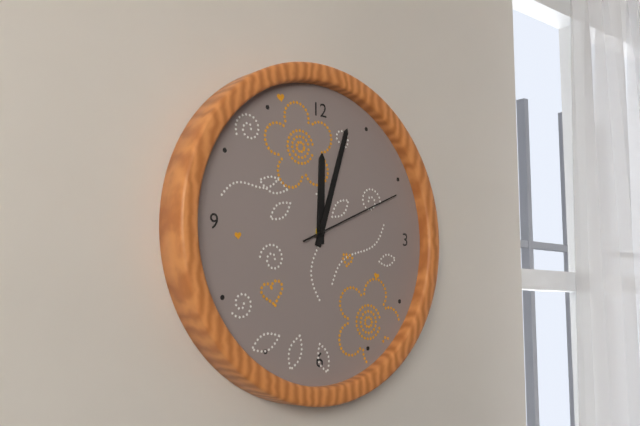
12:03:11
